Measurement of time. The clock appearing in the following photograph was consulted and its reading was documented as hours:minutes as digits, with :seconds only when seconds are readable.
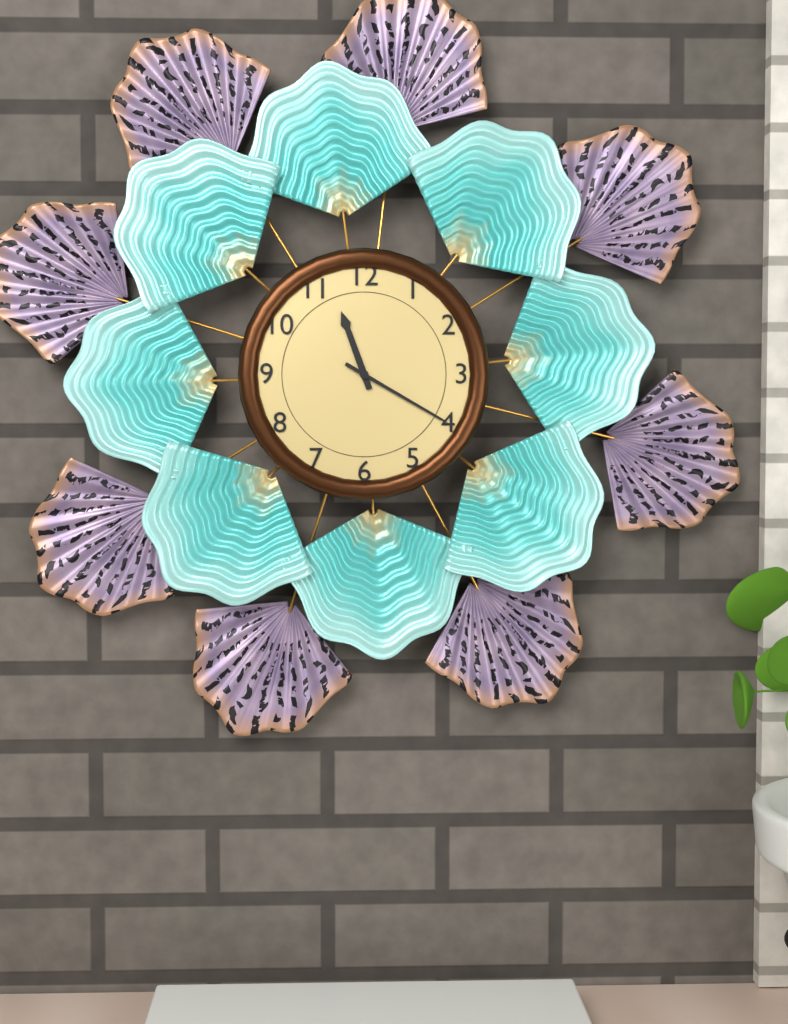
11:20
